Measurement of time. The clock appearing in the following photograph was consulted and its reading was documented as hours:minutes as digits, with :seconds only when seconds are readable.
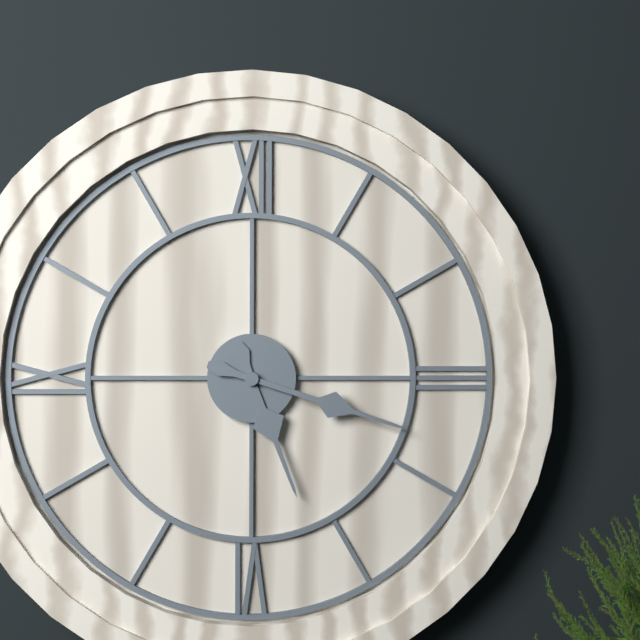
5:18
